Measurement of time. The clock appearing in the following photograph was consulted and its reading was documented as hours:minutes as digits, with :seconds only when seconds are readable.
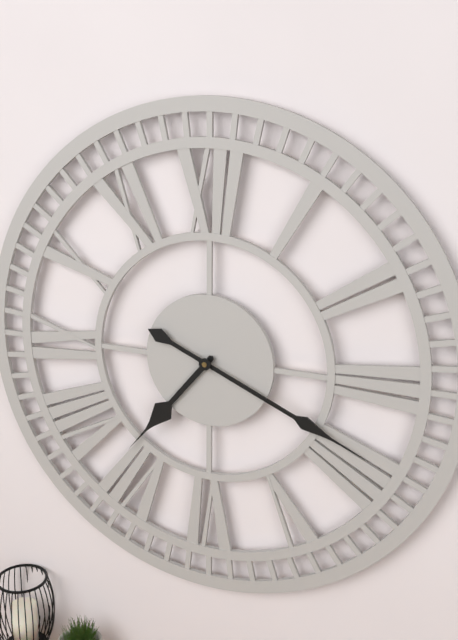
7:19
